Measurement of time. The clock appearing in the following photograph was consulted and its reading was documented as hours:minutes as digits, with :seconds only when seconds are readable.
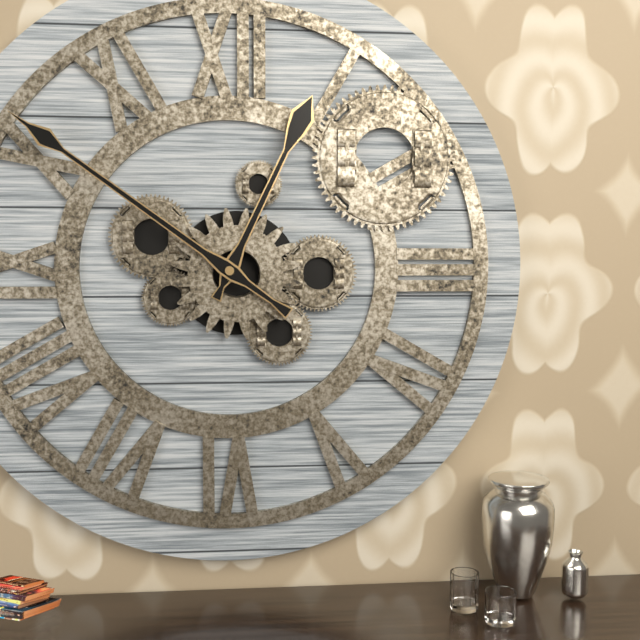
12:51
